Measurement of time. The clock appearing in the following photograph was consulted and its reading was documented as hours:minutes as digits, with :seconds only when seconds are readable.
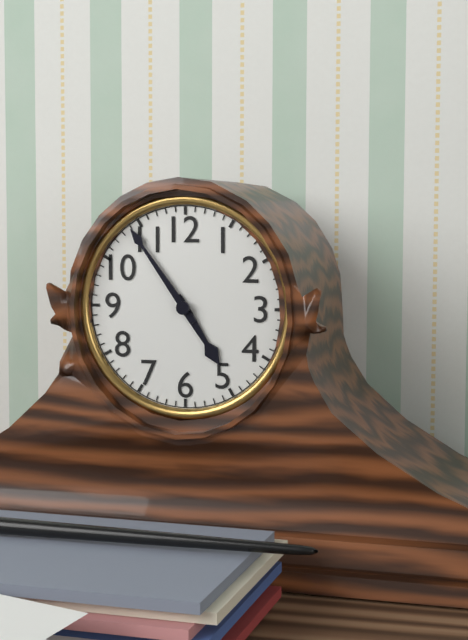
4:54
